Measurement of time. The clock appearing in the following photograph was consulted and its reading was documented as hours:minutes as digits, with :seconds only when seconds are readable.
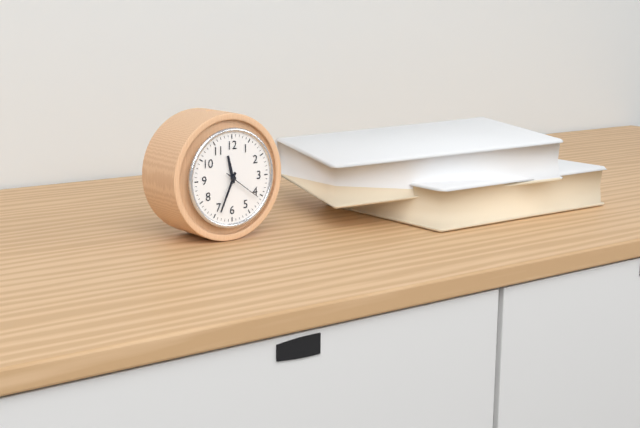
11:34
